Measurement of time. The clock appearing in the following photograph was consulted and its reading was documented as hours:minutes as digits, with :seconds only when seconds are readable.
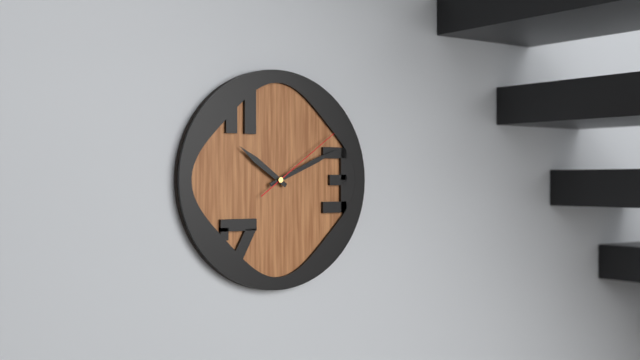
10:11:09
